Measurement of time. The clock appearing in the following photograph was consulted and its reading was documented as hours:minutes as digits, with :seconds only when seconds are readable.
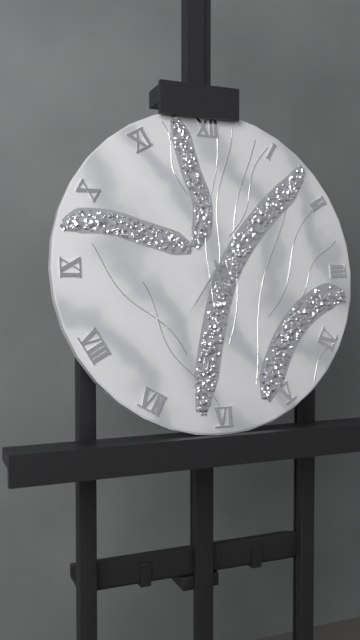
5:36
